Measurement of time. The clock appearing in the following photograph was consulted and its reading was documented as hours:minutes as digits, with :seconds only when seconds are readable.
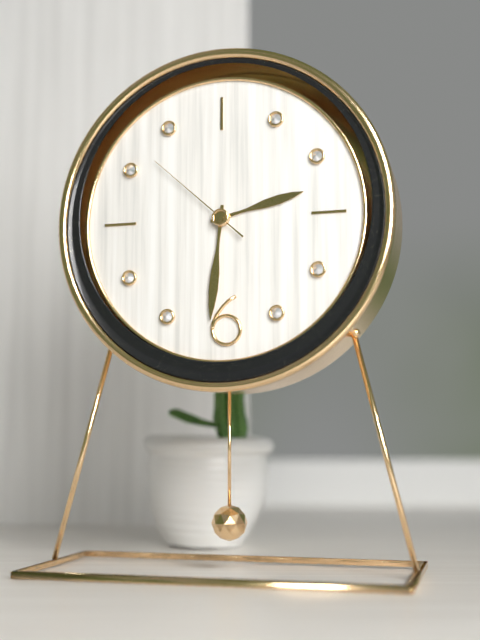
2:31:52
